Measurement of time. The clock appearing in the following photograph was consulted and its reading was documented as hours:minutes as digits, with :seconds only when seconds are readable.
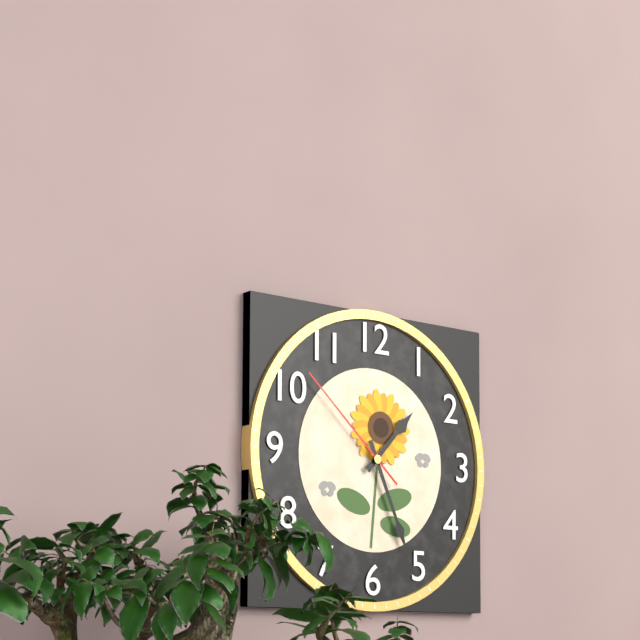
1:26:52
